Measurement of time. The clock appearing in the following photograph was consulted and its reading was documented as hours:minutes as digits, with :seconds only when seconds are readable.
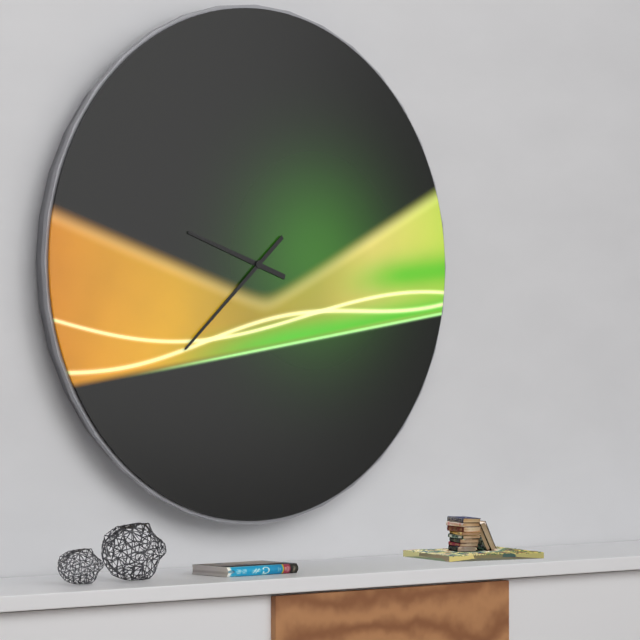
9:38
